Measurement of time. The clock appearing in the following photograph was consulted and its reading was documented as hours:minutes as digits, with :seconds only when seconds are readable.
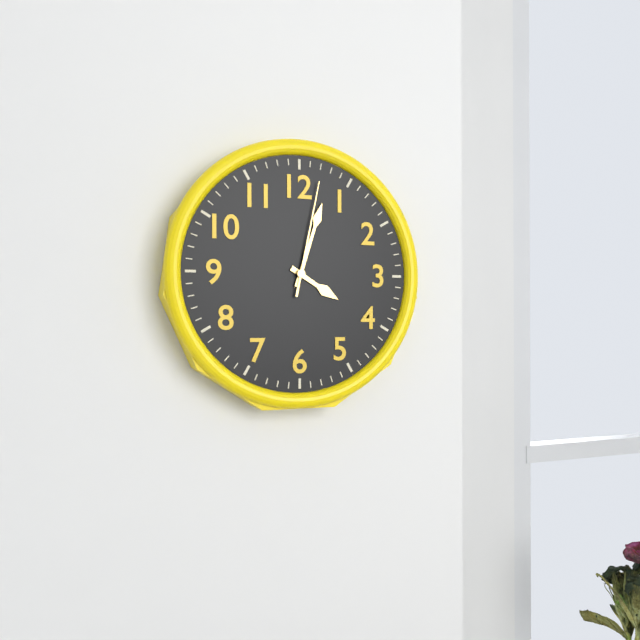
4:03:02
